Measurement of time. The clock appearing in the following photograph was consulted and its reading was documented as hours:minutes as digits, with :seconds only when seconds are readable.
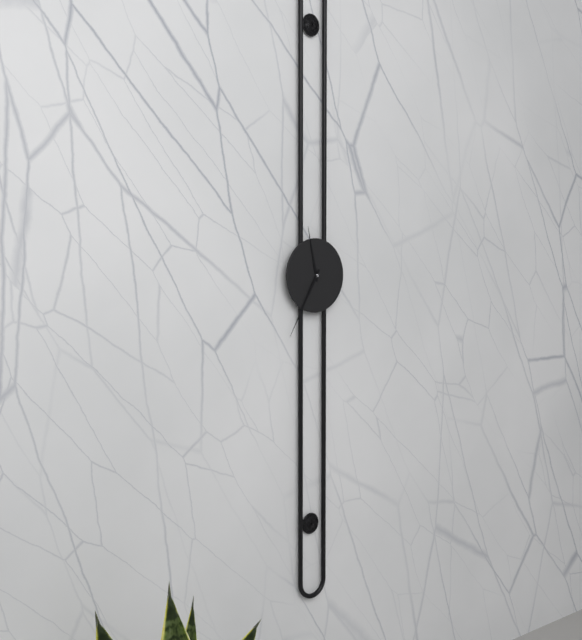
11:35
